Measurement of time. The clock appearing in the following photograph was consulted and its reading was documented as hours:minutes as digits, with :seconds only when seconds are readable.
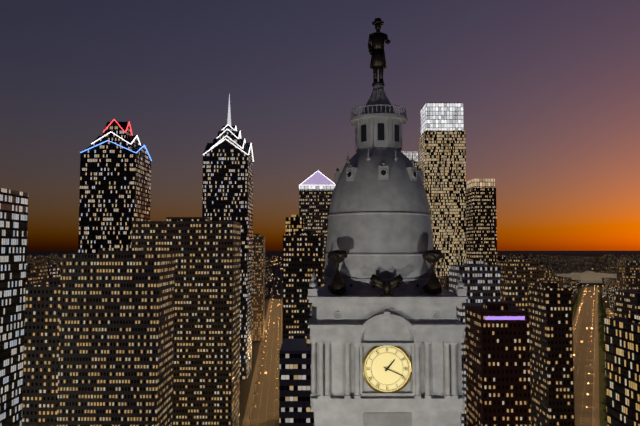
1:19
